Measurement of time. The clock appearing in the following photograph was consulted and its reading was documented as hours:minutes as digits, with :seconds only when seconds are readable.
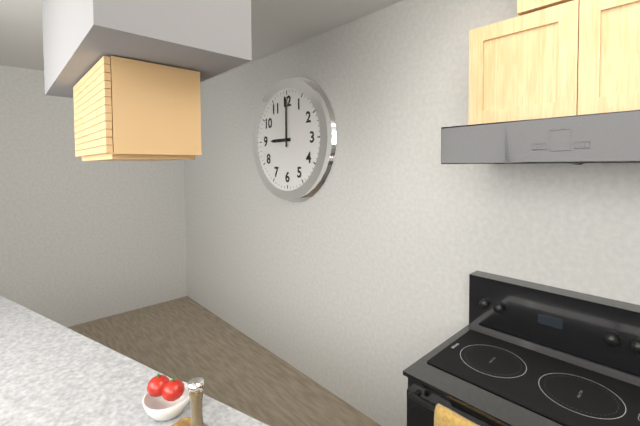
9:00
